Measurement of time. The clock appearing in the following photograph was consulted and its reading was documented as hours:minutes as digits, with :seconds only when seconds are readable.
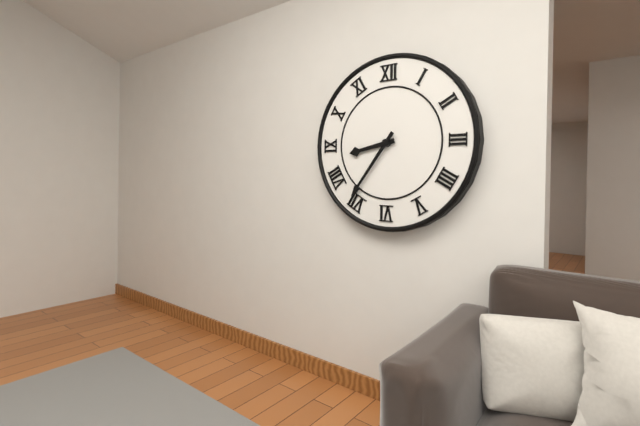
8:36
